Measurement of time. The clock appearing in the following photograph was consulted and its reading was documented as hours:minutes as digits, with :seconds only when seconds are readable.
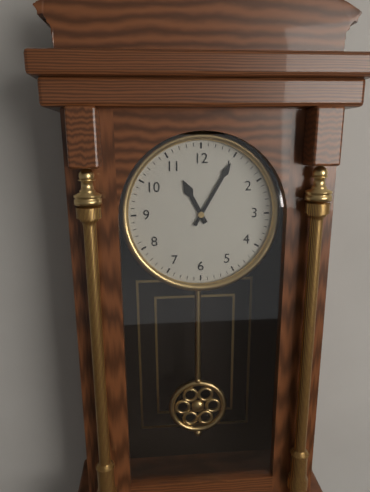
11:05
